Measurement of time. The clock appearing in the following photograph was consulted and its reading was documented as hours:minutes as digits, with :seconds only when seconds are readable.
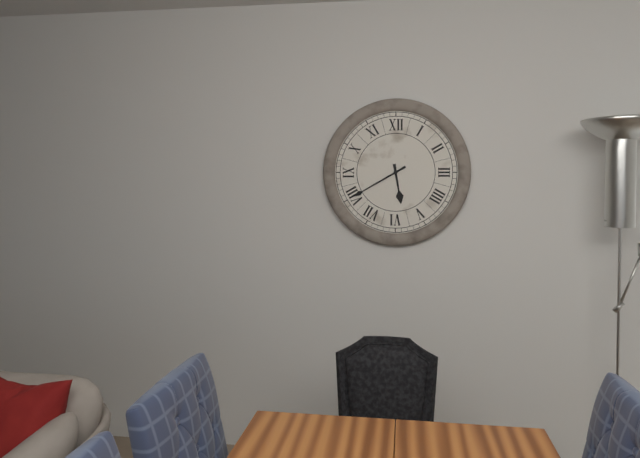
5:40
